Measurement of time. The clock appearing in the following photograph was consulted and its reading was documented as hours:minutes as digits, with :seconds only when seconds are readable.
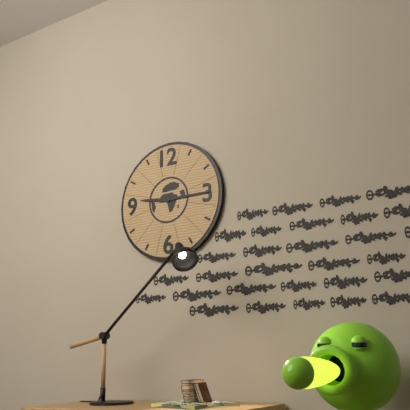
9:15
